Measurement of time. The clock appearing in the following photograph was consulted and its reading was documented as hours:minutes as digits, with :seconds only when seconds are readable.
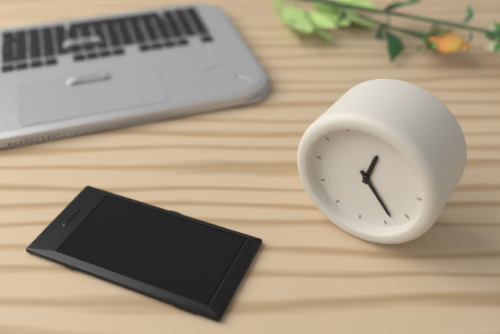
12:23
